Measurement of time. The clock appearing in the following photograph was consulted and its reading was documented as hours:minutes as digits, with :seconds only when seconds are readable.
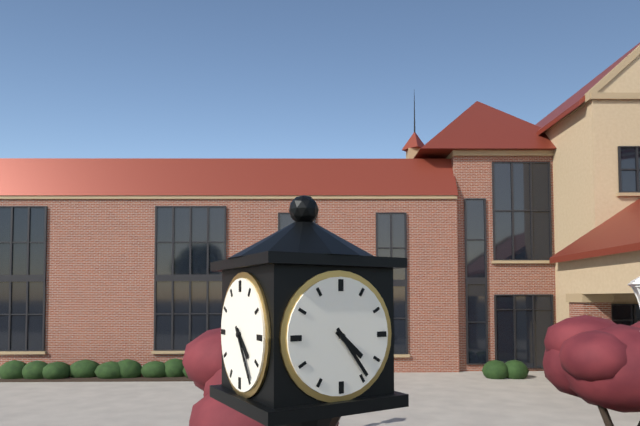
4:24
